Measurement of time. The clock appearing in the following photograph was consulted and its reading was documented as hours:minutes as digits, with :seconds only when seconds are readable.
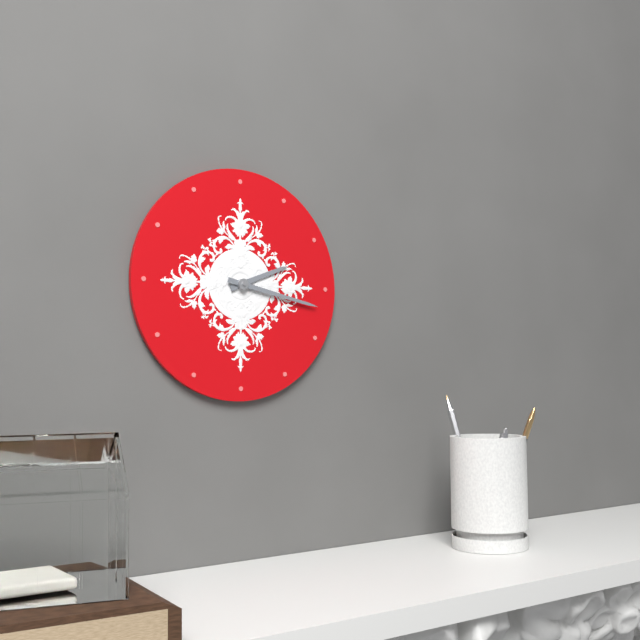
2:17
